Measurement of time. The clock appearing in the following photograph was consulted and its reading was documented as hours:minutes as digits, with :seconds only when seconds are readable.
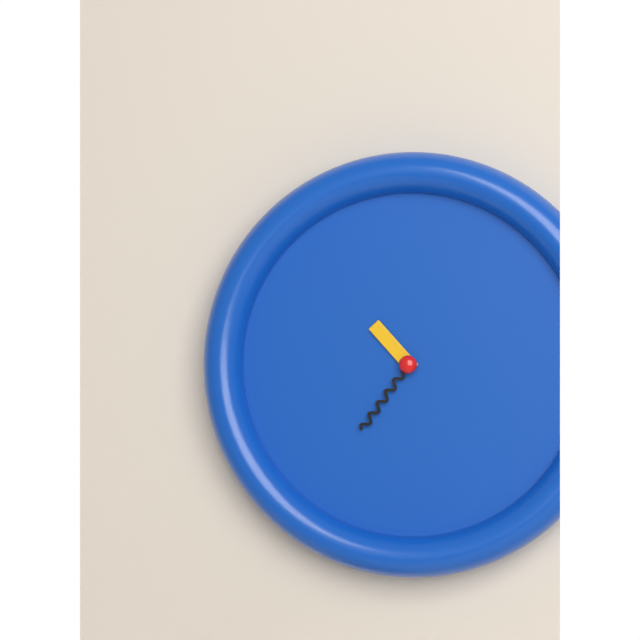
10:36
